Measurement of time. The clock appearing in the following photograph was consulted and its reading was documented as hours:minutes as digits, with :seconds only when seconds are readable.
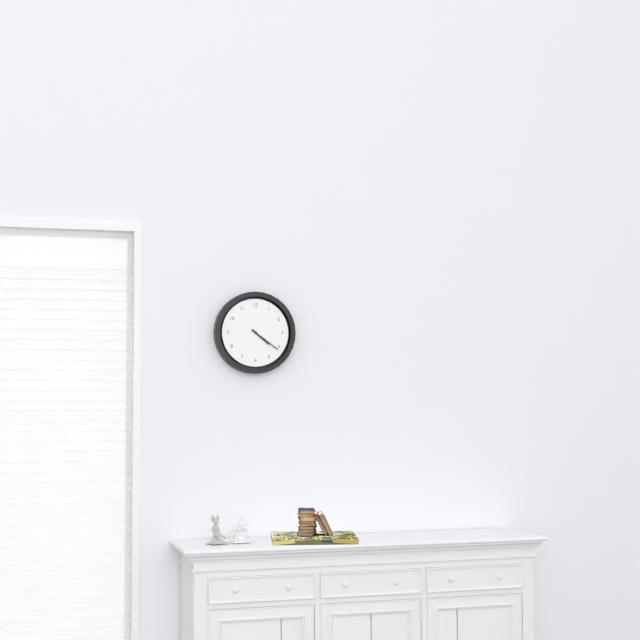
4:21
